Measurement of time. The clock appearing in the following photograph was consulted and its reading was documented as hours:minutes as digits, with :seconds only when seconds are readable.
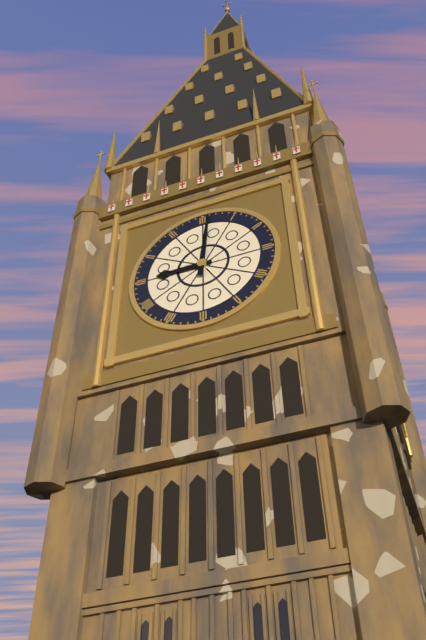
9:01
